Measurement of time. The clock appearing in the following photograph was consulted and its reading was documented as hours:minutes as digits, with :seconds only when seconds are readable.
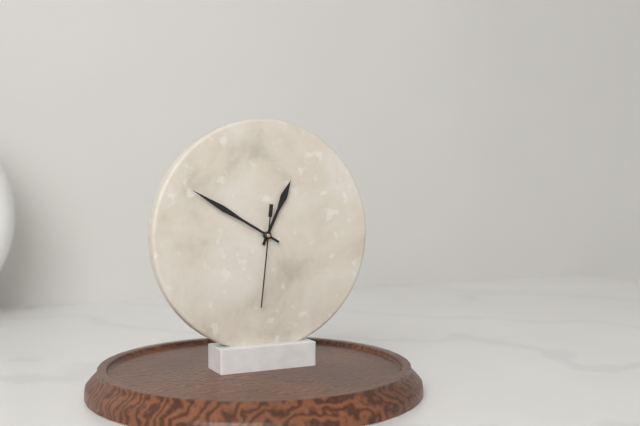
12:50:31
